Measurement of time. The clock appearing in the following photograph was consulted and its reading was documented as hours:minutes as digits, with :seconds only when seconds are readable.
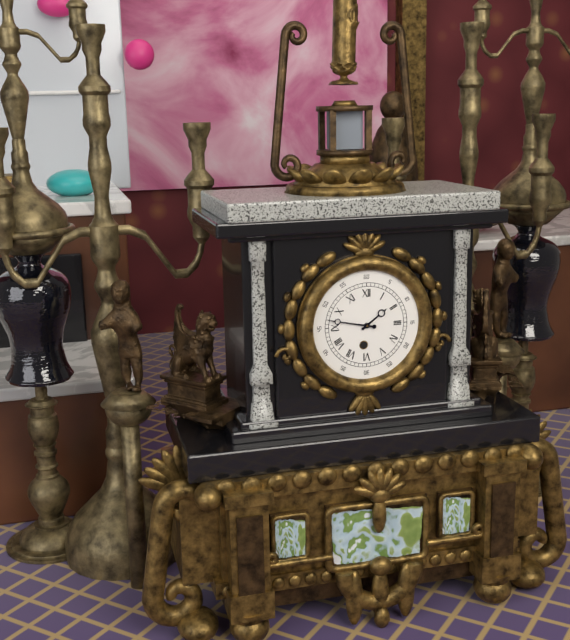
1:47
